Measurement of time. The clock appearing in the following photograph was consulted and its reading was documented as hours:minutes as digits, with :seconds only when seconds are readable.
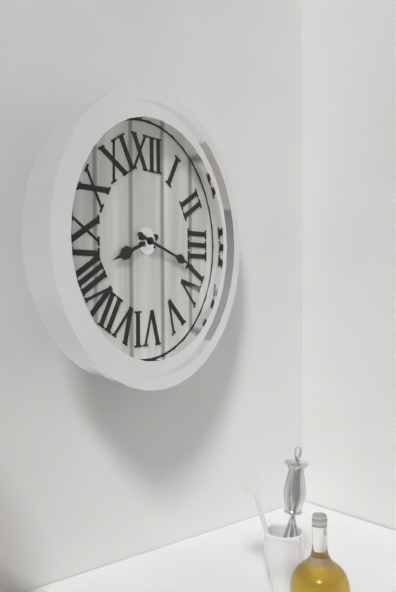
8:18
